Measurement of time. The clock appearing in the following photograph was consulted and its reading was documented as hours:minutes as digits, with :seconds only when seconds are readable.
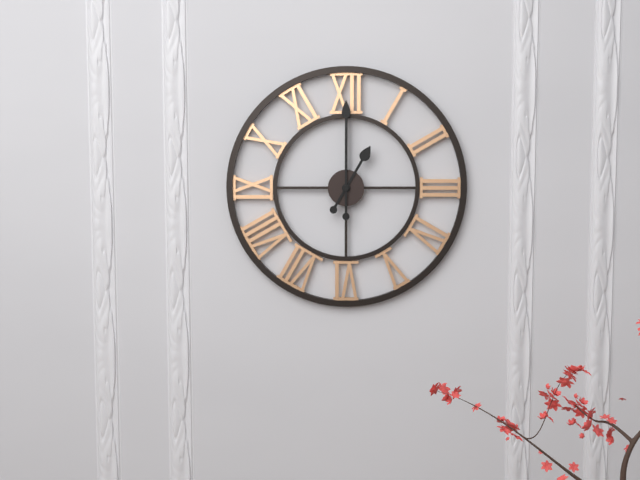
1:00
